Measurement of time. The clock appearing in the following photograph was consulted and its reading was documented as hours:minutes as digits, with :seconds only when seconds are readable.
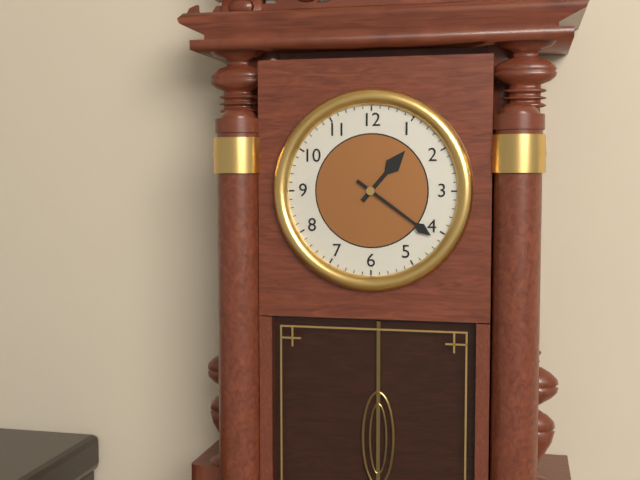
1:21
